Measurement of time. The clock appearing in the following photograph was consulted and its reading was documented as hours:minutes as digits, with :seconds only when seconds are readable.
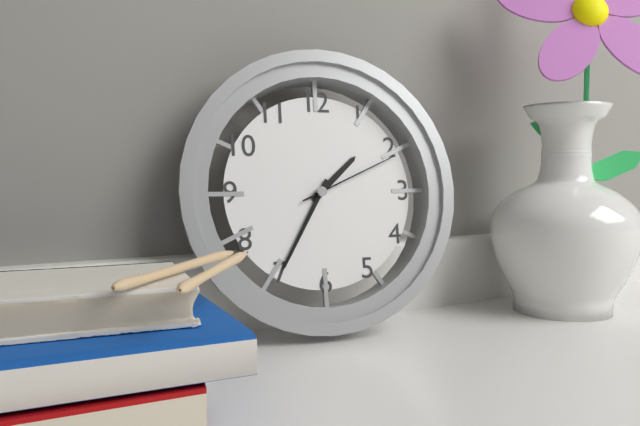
1:35:11
